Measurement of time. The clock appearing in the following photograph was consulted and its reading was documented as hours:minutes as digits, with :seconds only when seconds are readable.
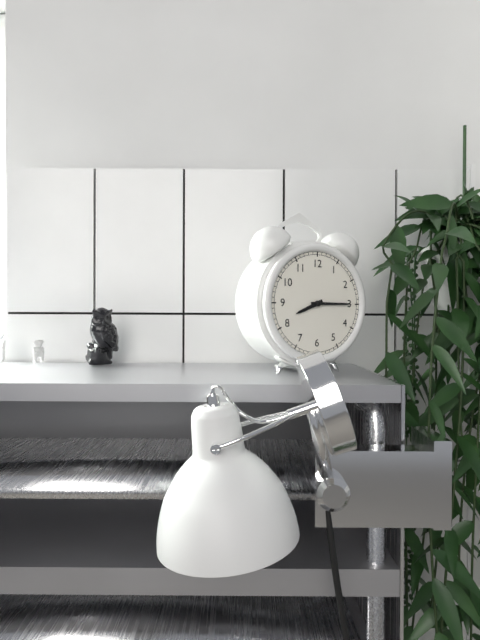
8:15
